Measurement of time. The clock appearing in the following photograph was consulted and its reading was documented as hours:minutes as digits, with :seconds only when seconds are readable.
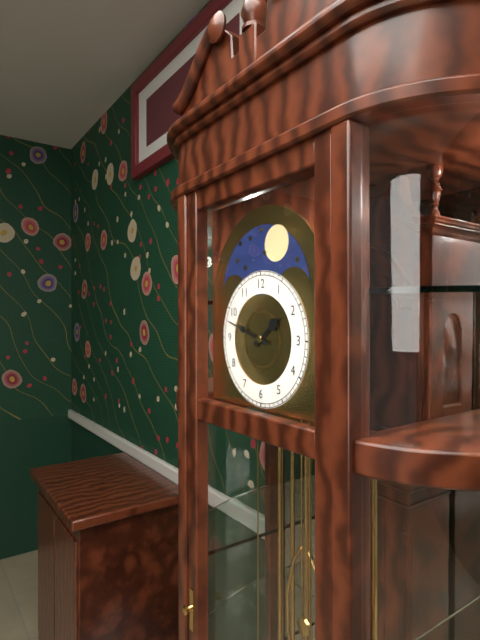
1:48
